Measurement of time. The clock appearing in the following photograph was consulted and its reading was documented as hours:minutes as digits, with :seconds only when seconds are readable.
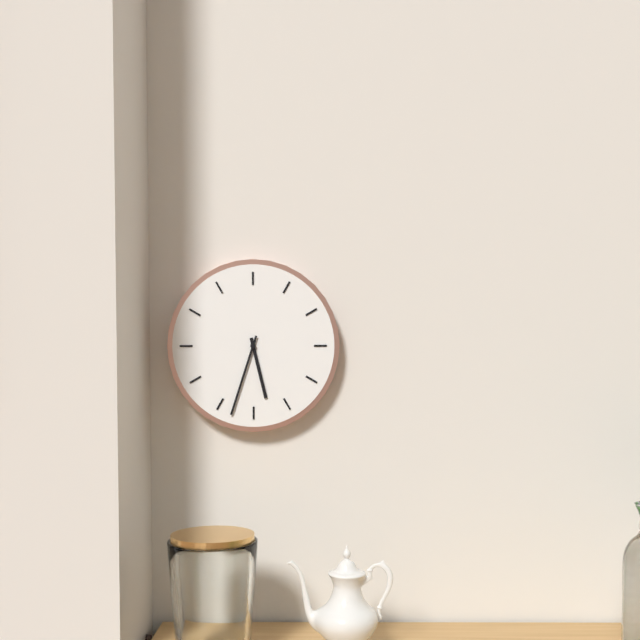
5:33
